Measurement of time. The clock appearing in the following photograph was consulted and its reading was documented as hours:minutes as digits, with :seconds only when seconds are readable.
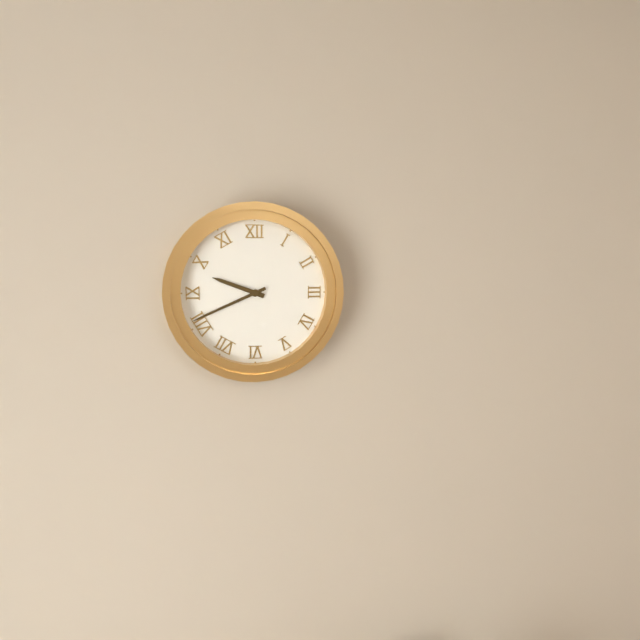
9:41
